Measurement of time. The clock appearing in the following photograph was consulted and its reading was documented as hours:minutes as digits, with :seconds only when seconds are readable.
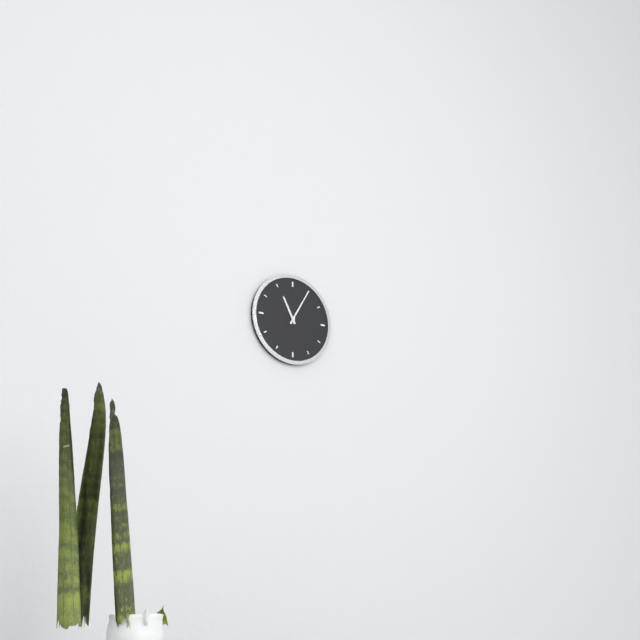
11:05
